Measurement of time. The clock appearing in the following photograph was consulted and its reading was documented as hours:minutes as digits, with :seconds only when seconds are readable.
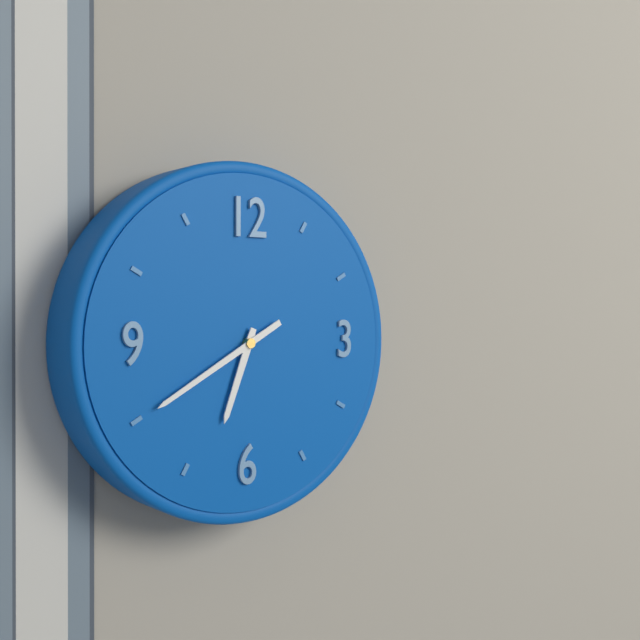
6:40
